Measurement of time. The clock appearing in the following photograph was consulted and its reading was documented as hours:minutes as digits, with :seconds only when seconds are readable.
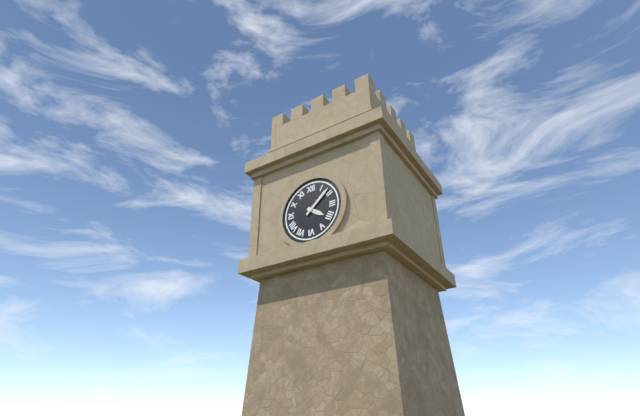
4:08
